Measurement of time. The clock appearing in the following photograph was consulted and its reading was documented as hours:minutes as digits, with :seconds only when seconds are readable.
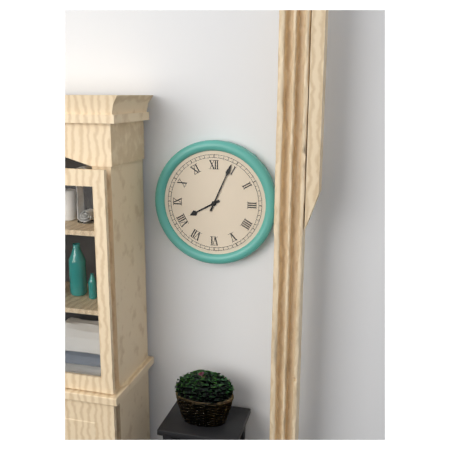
8:04
